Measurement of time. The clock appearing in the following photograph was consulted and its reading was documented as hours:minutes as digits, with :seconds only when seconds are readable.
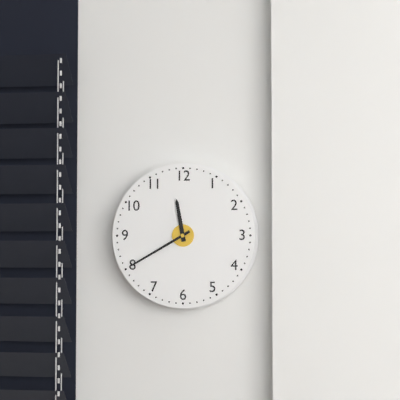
11:40
